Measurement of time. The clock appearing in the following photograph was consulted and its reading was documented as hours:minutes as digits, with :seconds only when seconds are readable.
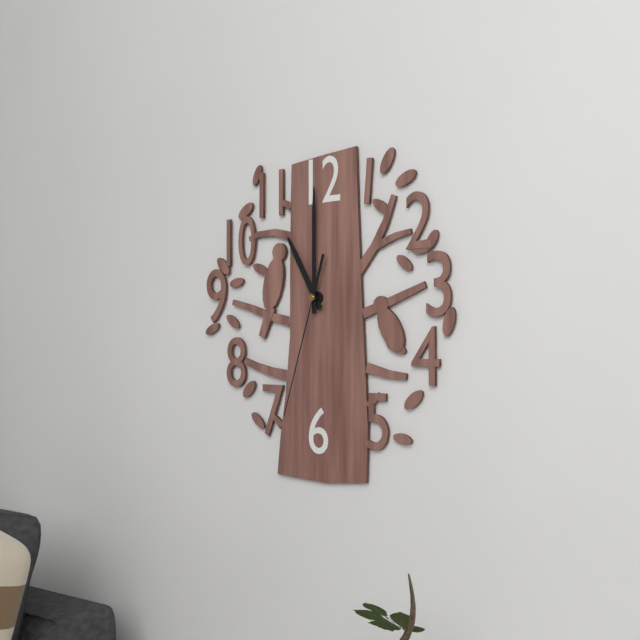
11:00:33
